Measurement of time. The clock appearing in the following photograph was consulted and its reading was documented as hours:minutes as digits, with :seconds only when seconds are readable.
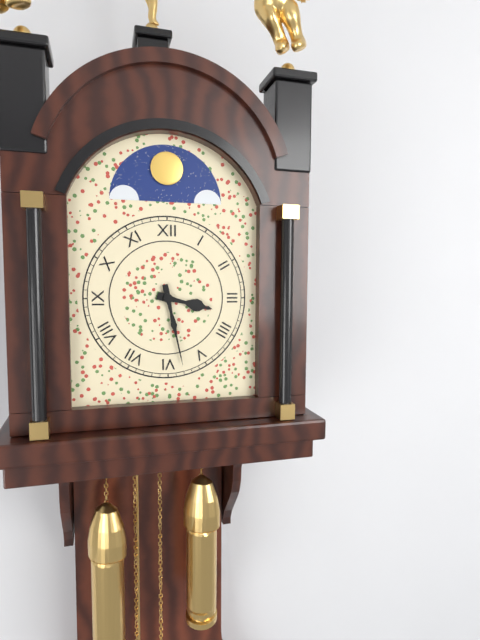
3:28
